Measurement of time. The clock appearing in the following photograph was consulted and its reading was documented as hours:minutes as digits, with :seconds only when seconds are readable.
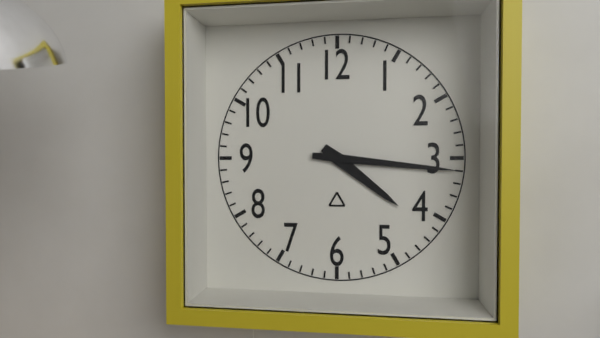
4:16
